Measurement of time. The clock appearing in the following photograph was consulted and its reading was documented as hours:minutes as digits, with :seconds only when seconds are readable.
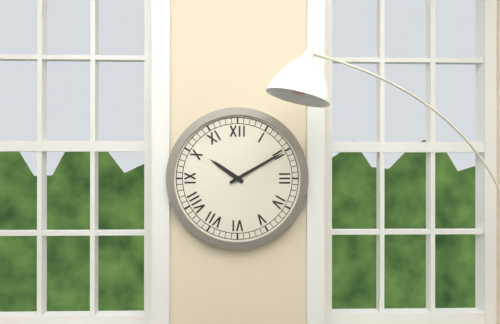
10:10
